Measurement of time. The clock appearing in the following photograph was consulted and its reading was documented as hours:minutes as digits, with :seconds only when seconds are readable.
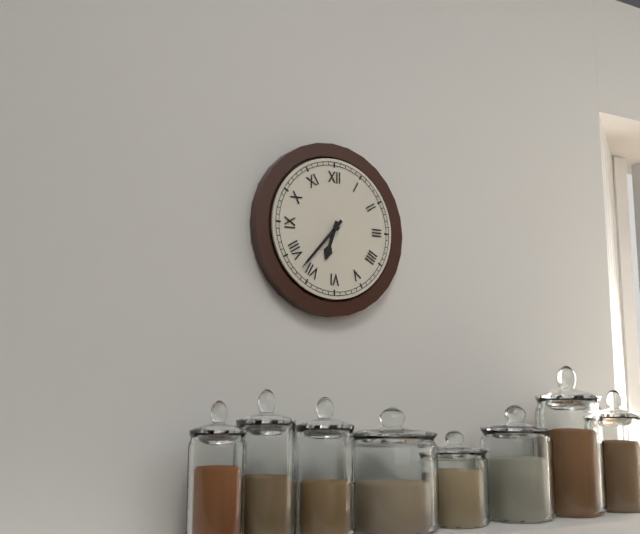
6:37
